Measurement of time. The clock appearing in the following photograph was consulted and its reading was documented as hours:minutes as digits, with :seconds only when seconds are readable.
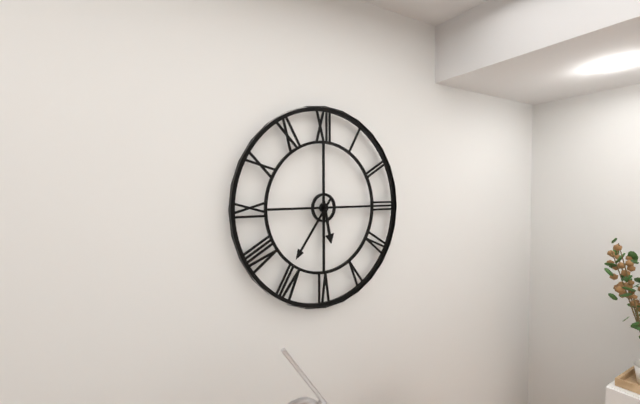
5:36
